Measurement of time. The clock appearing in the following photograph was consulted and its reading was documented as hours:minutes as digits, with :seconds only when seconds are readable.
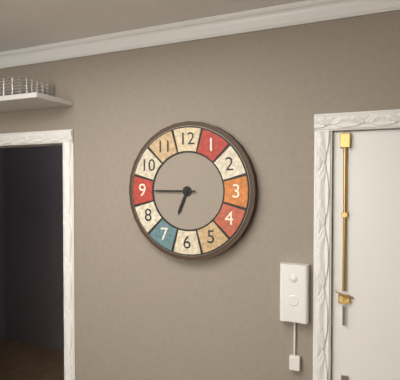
6:45
